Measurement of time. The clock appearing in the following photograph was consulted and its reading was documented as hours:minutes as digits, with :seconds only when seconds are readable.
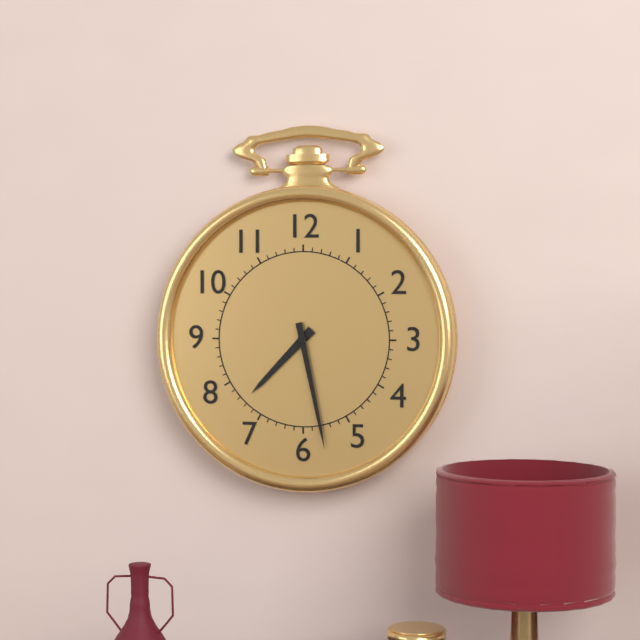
7:28
